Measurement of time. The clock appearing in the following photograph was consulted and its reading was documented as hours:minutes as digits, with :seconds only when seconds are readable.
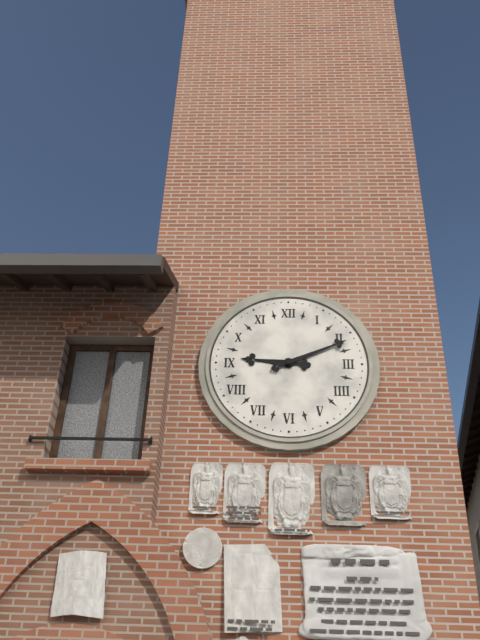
9:11
